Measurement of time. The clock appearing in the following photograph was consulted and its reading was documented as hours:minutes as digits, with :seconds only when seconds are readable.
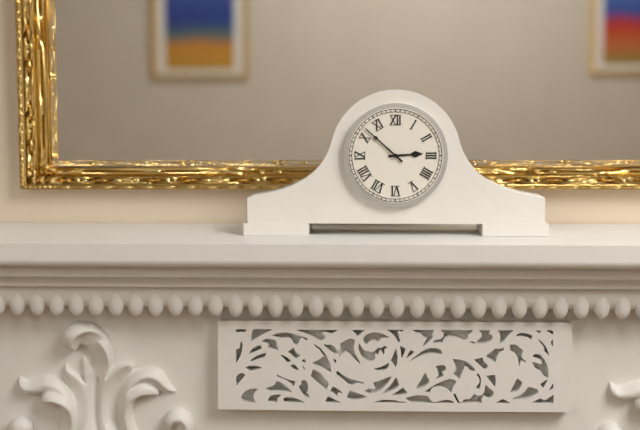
2:52
